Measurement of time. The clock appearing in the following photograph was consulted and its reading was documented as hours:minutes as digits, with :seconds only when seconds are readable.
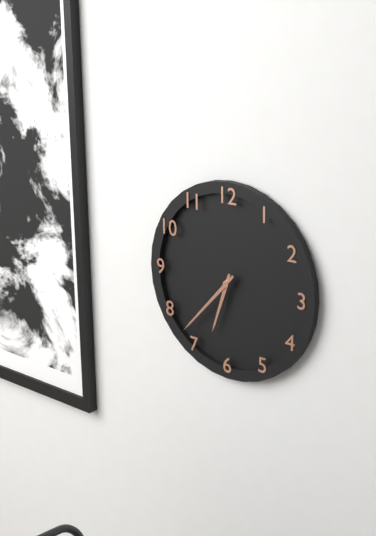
6:37
